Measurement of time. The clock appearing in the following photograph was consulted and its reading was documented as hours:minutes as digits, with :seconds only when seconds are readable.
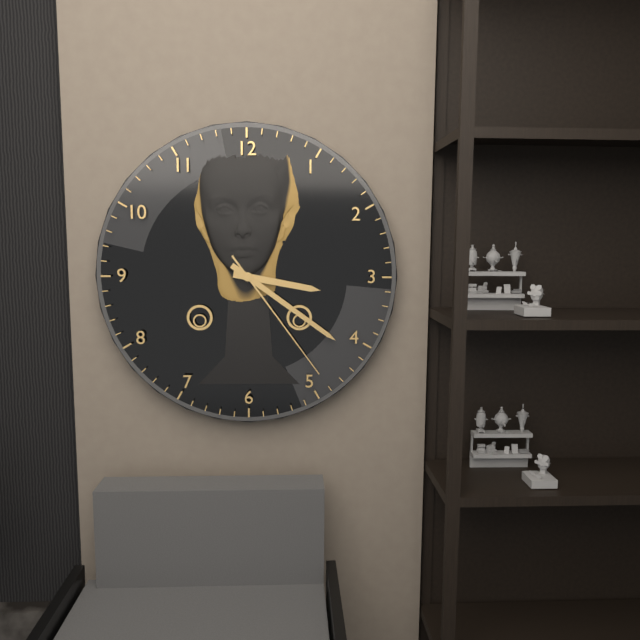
3:21:24
